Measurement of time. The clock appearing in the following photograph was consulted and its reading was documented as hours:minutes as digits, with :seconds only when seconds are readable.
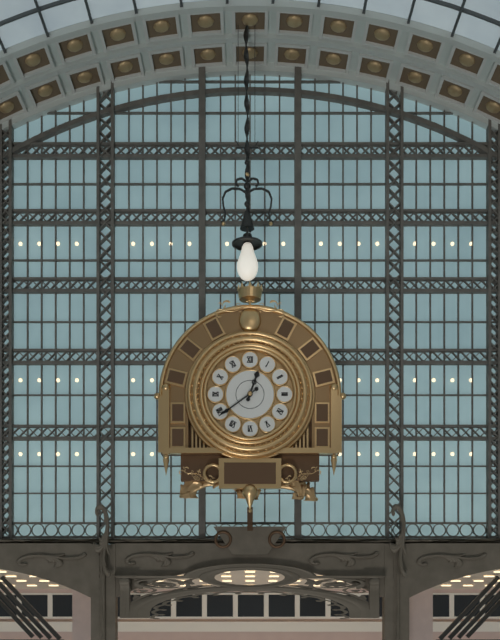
12:39
